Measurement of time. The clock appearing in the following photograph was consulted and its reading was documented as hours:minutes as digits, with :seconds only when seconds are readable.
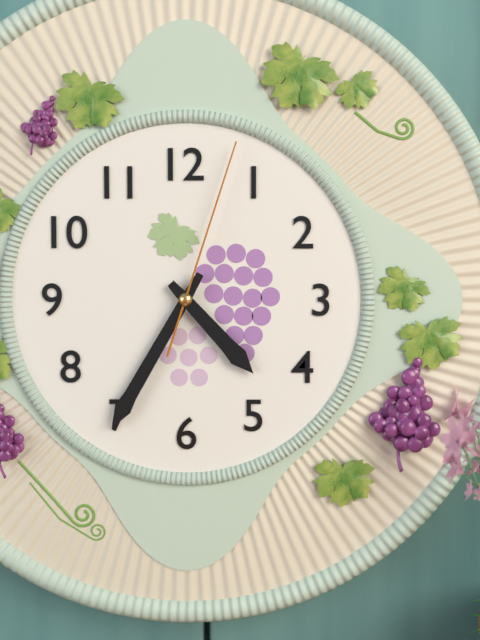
4:35:03
